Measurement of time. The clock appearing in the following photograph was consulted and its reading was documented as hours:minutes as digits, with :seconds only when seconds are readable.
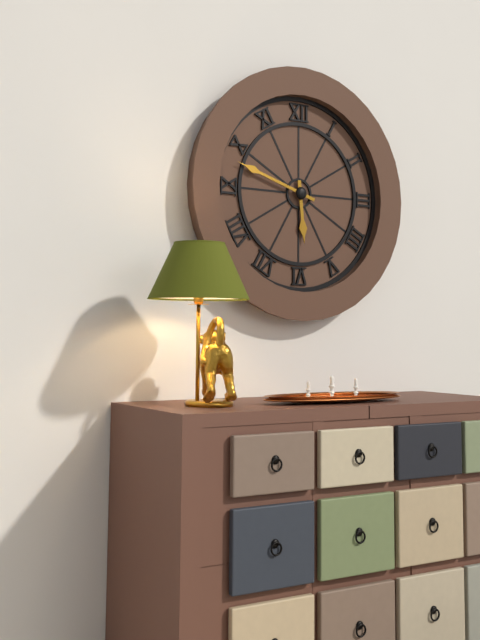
5:48
